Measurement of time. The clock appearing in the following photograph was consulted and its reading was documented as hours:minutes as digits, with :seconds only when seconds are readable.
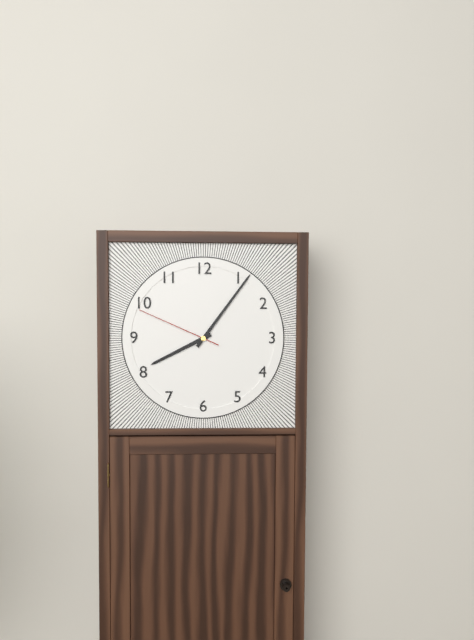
8:06:49
